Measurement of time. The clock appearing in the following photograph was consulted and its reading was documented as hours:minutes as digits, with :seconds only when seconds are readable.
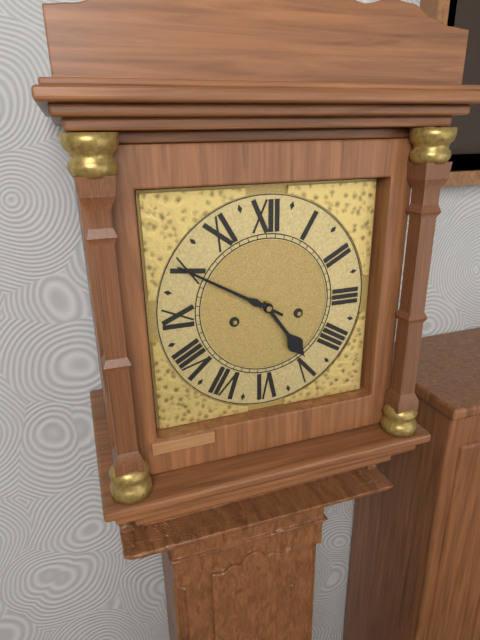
4:50
